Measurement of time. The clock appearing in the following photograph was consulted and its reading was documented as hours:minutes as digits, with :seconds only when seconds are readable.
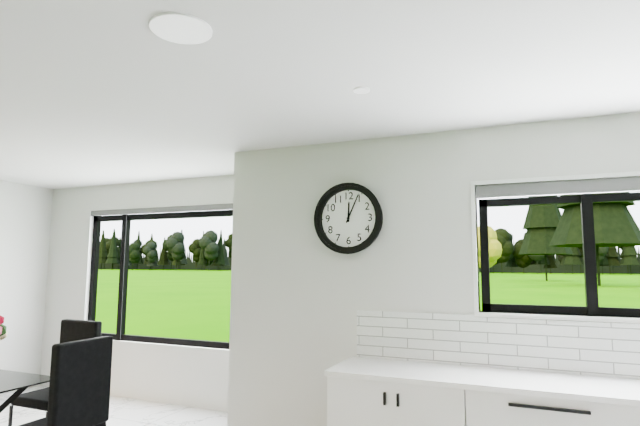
12:04
